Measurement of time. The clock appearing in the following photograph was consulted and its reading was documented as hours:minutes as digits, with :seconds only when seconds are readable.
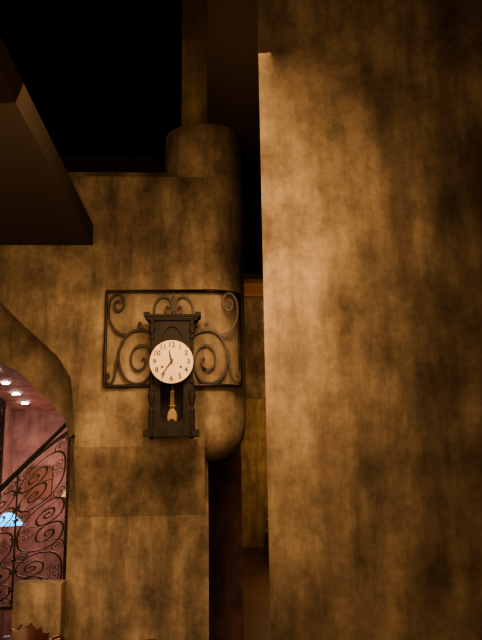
11:36
